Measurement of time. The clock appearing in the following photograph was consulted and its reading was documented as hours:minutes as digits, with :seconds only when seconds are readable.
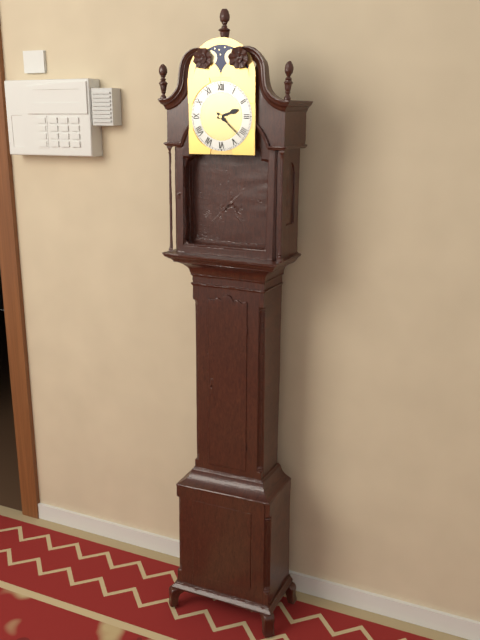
2:22
